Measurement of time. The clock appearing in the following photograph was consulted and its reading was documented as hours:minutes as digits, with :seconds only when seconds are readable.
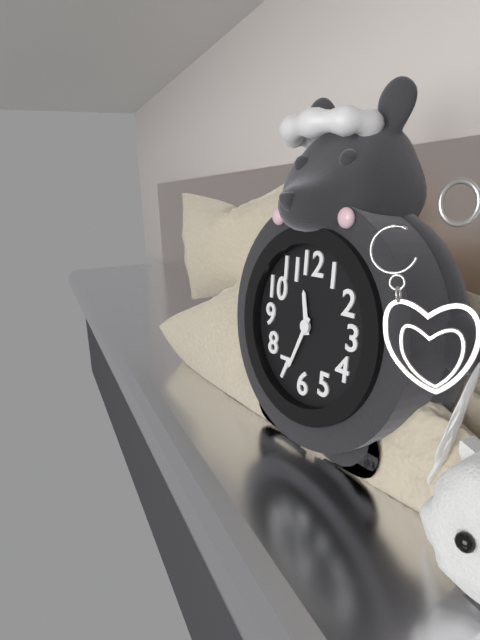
11:34
